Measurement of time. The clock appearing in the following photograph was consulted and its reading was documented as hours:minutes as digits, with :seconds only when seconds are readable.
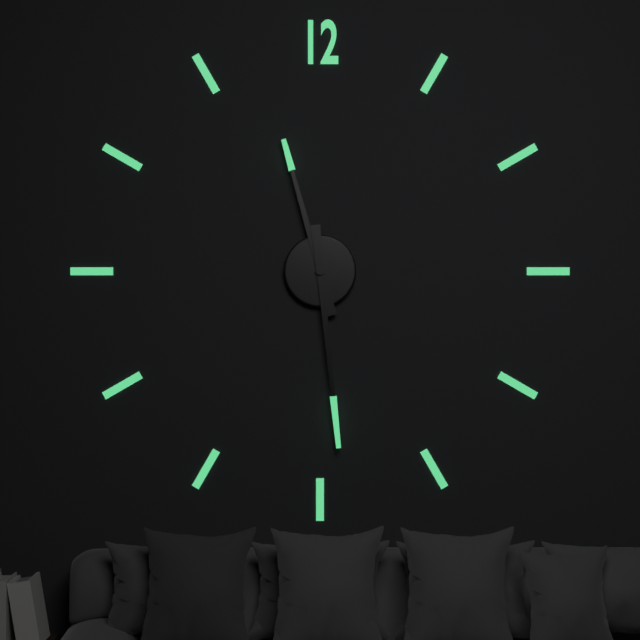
11:29
